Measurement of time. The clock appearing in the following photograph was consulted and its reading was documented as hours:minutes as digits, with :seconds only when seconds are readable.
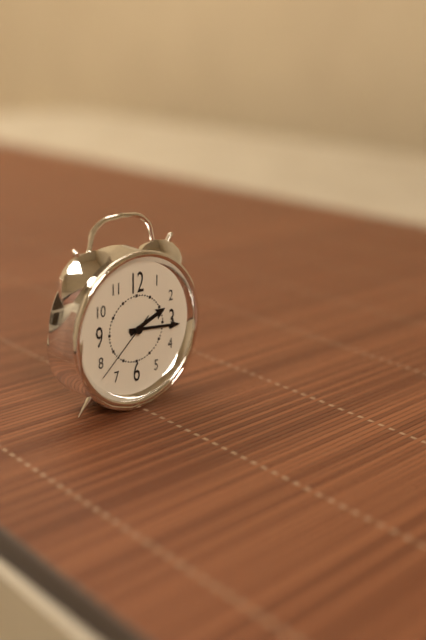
2:16:38
